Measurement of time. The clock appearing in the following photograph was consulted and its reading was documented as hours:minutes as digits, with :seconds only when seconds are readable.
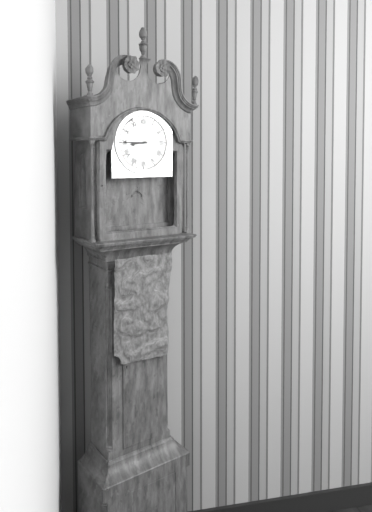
8:45
